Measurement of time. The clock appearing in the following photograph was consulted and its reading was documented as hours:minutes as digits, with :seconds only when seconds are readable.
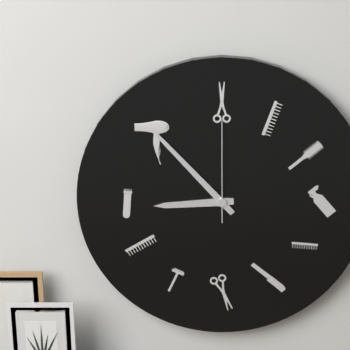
8:53:00
